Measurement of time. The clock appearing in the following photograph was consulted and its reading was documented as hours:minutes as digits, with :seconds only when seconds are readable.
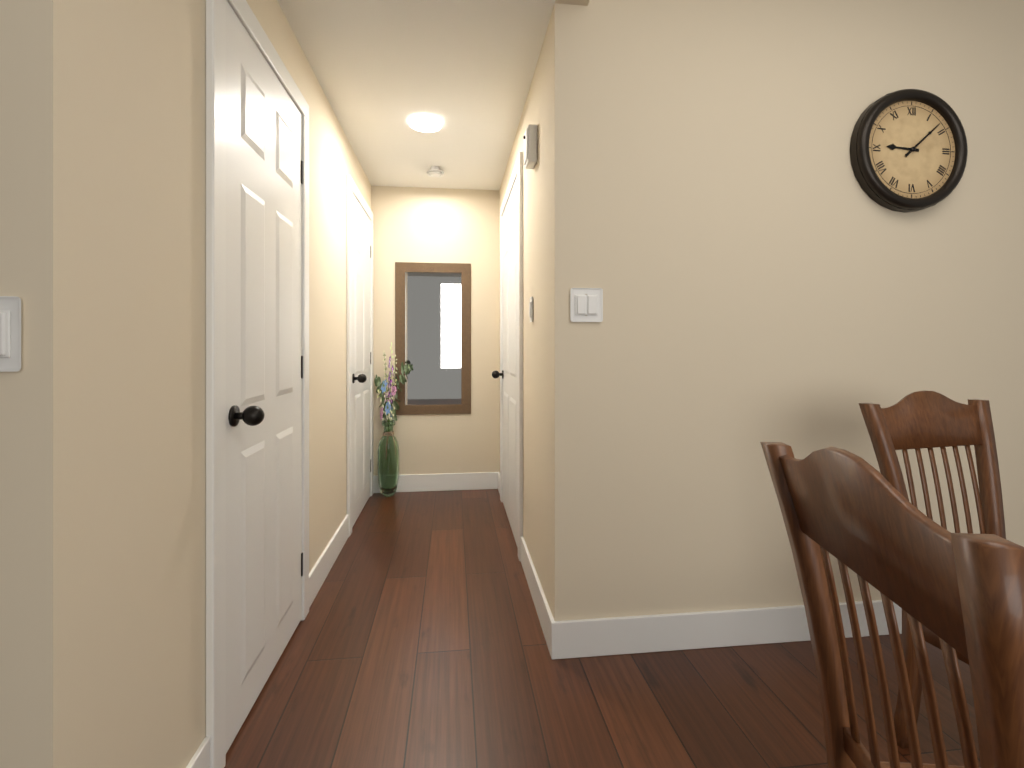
9:08
